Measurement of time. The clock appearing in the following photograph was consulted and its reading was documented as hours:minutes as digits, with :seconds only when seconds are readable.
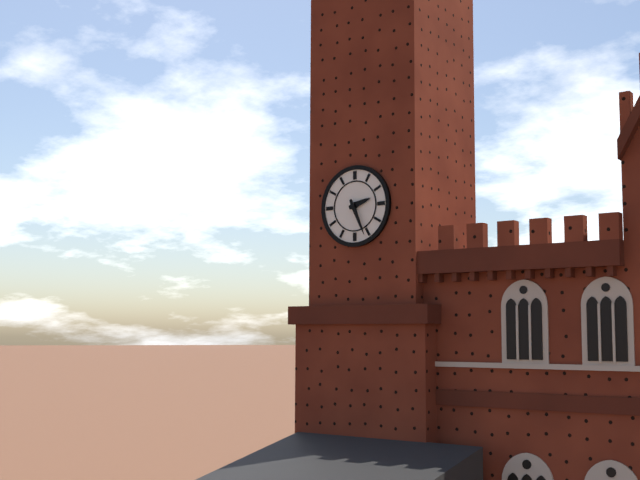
2:26
